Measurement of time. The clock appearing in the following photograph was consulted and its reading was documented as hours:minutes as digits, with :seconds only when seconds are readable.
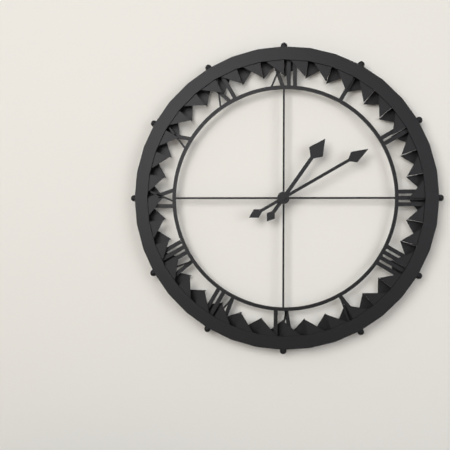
1:10
